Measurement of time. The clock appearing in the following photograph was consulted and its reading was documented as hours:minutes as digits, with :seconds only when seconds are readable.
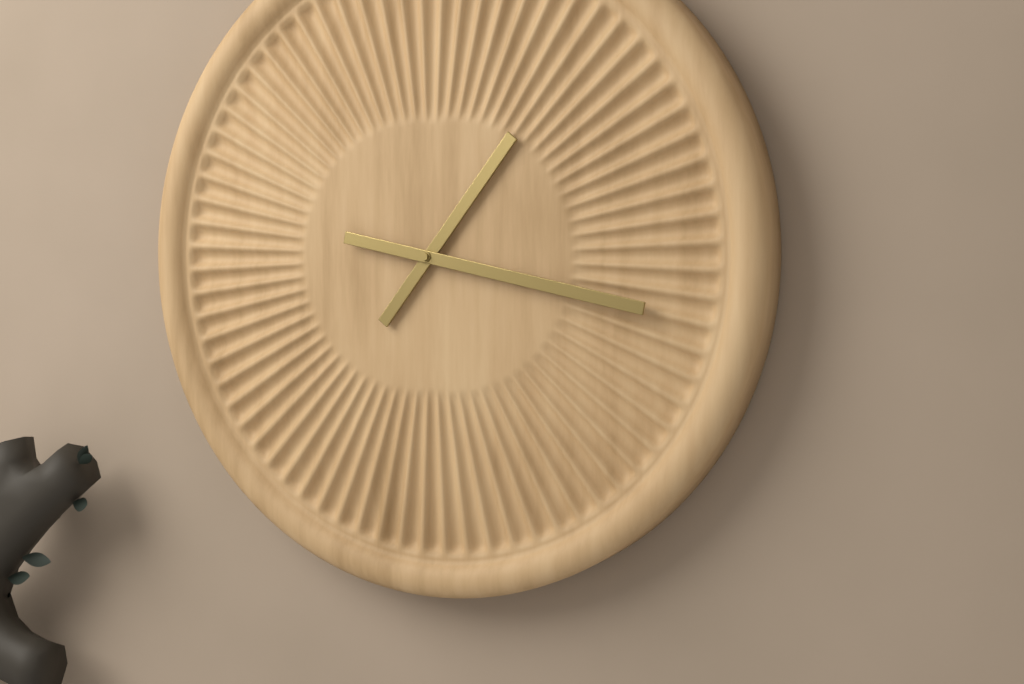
1:17
